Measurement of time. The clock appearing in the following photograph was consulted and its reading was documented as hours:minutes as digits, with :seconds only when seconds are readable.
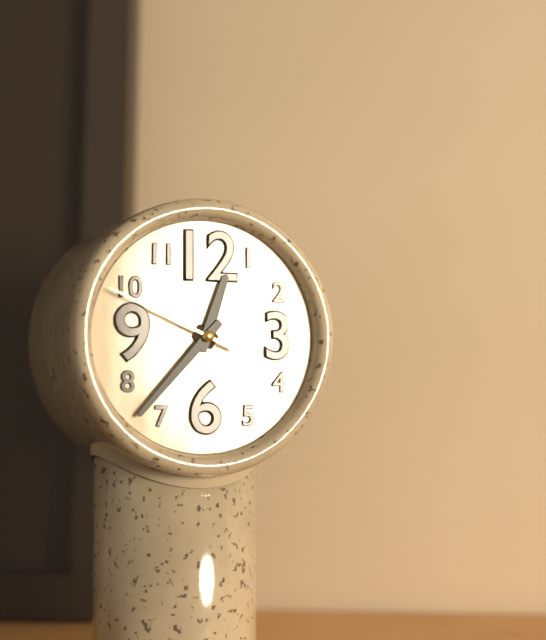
12:37:49
